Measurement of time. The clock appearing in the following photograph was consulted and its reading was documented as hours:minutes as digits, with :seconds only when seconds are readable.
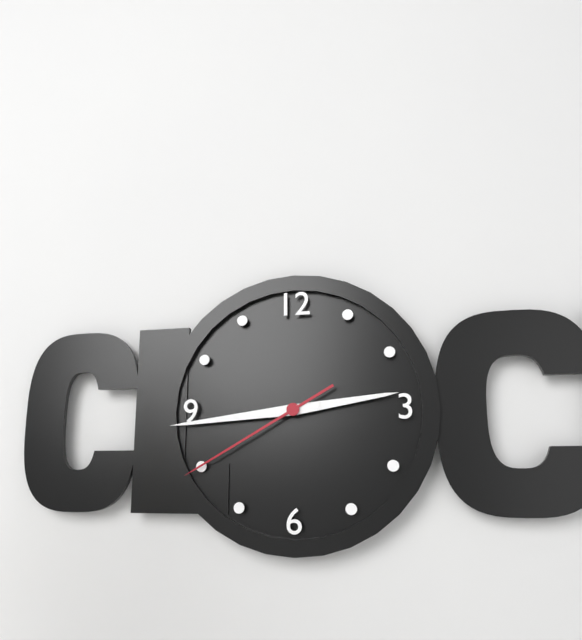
2:44:40
